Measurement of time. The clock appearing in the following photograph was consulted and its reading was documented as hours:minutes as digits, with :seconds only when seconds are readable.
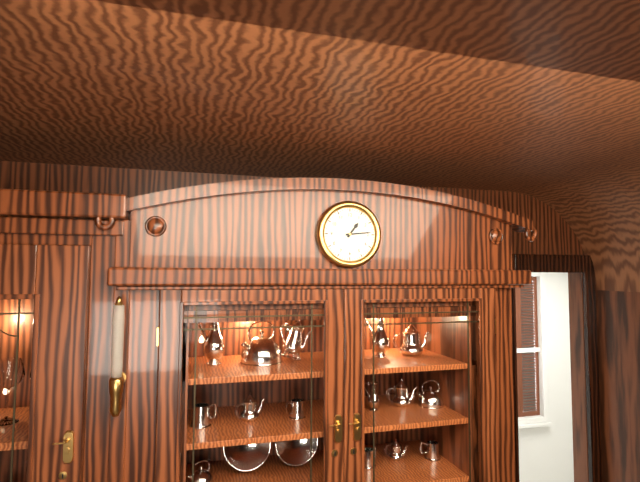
1:14
